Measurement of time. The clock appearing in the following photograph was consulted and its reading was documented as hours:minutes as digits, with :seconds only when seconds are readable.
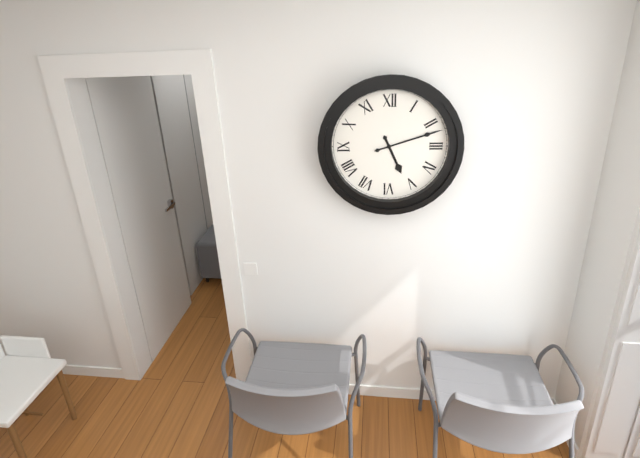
5:12
